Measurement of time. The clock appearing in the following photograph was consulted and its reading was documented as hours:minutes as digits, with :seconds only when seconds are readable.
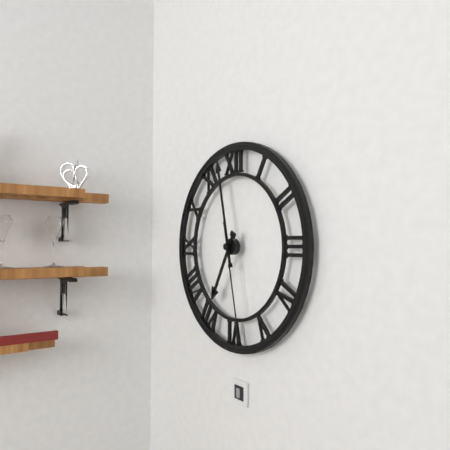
6:58:28
